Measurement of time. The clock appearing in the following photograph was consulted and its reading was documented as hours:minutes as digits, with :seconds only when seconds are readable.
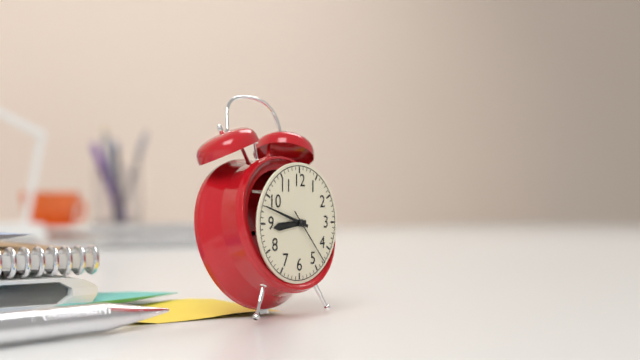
8:48:23
